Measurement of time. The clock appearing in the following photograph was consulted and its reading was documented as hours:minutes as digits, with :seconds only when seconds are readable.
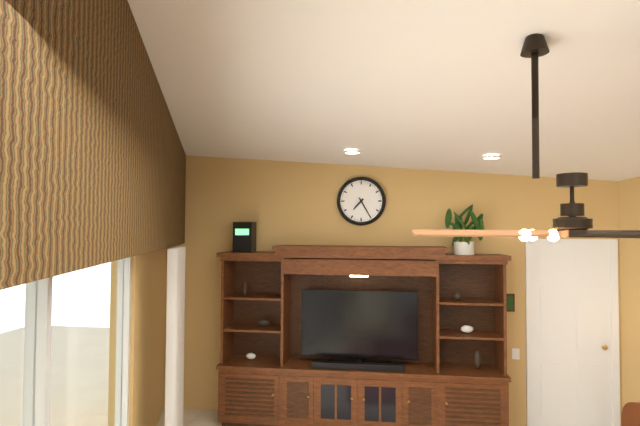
7:25
